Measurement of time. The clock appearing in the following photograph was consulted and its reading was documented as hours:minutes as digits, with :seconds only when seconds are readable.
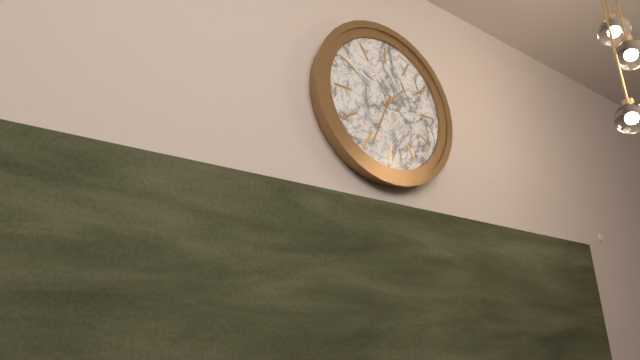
1:34
